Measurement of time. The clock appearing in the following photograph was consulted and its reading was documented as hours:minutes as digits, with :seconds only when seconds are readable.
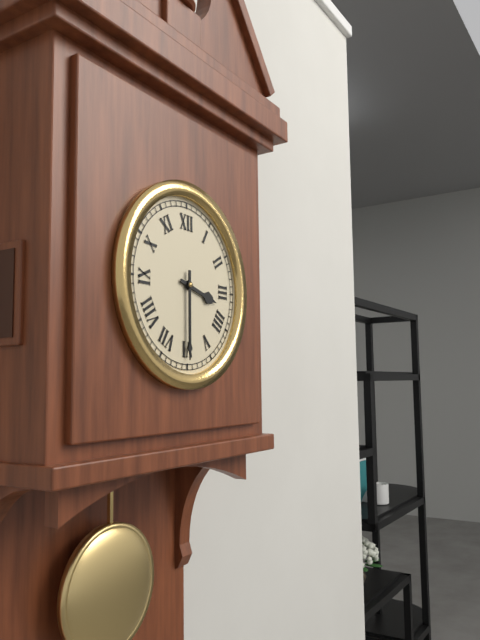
3:30
